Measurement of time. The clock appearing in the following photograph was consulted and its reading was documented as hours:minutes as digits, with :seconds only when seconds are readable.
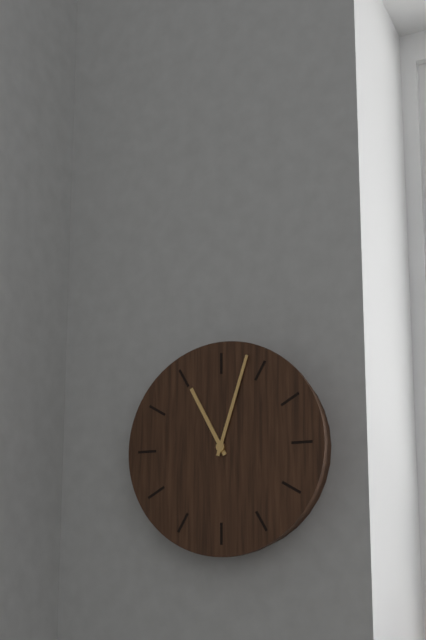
11:03
